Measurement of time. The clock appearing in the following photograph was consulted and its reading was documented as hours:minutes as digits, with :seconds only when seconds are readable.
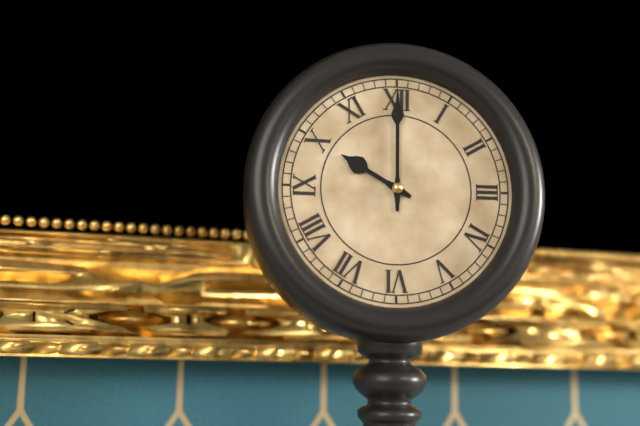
10:00
